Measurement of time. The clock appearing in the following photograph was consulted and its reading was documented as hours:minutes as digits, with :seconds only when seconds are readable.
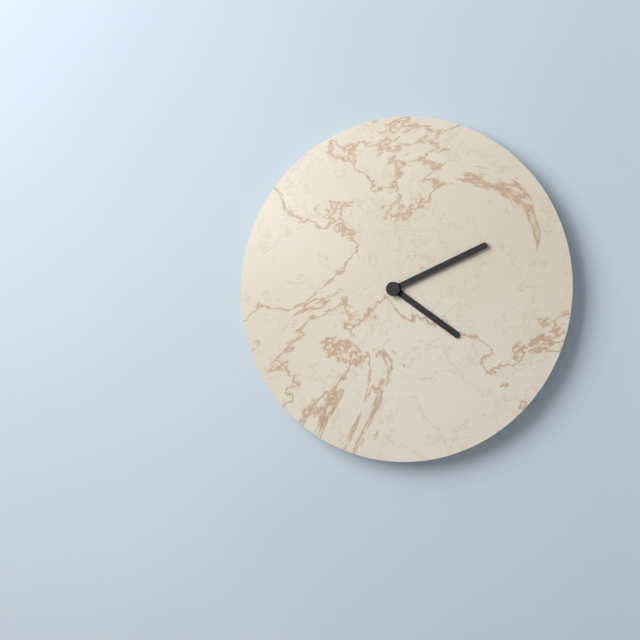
4:11
